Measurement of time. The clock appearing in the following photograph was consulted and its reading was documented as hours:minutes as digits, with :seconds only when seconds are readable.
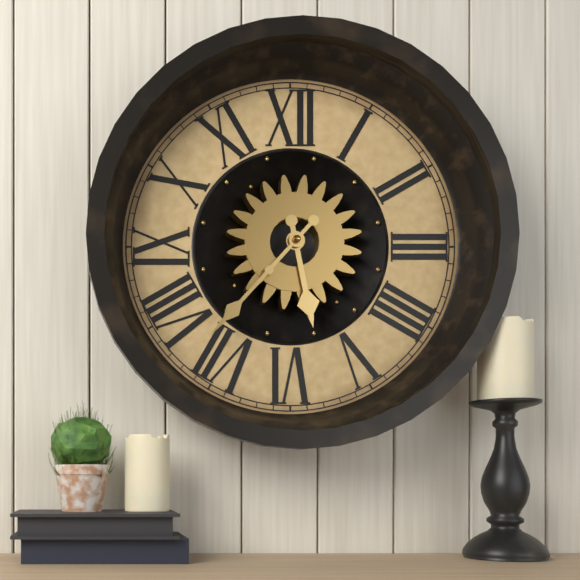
5:37
